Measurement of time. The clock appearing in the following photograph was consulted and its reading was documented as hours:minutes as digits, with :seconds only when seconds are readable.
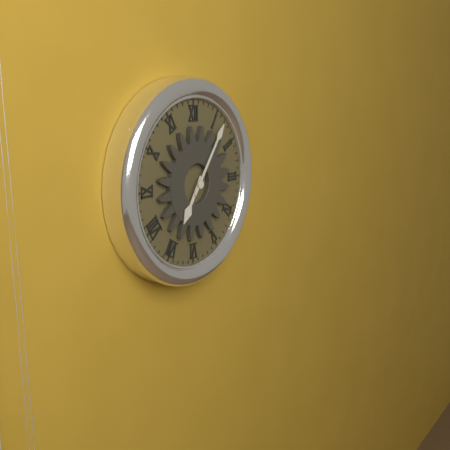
7:06
